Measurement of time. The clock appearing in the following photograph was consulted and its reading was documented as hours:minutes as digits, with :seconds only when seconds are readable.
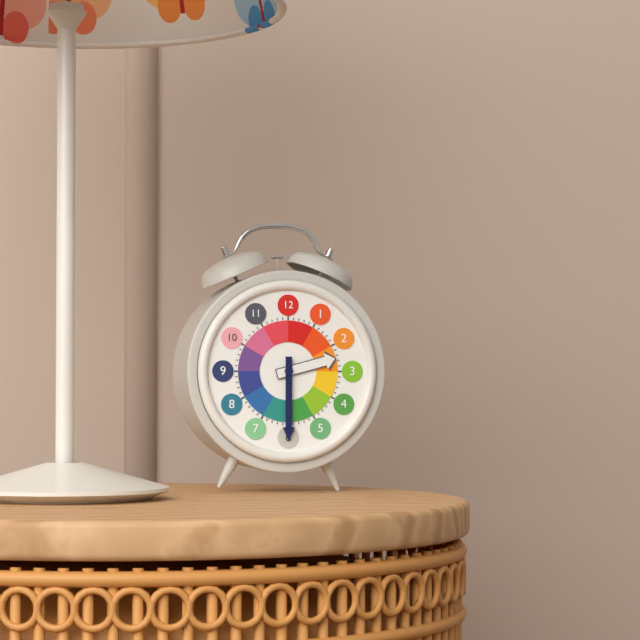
2:30
